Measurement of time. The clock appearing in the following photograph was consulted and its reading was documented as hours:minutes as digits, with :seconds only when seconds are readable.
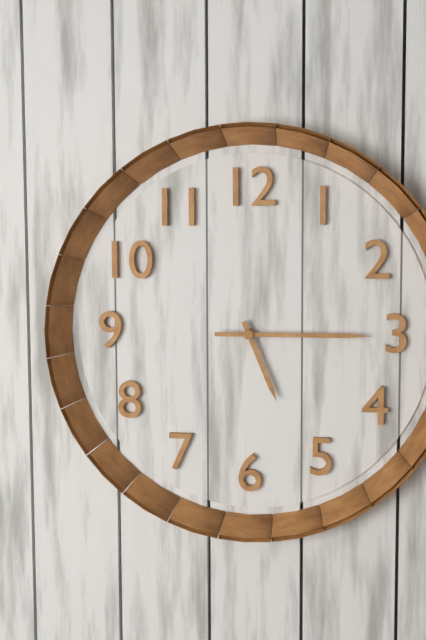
5:15
